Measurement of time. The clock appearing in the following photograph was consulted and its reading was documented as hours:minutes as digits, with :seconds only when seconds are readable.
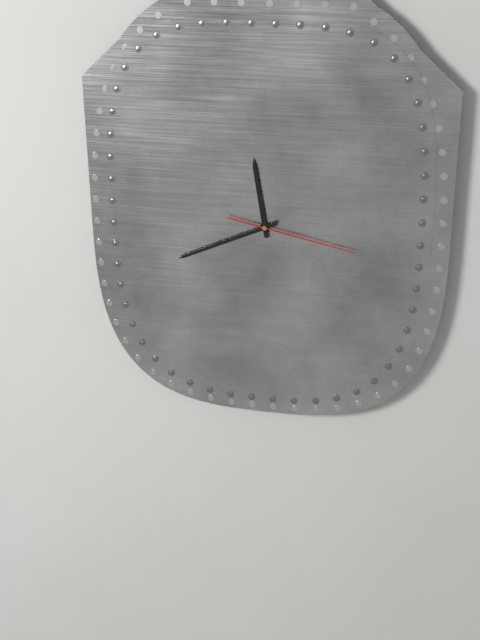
11:41:17
